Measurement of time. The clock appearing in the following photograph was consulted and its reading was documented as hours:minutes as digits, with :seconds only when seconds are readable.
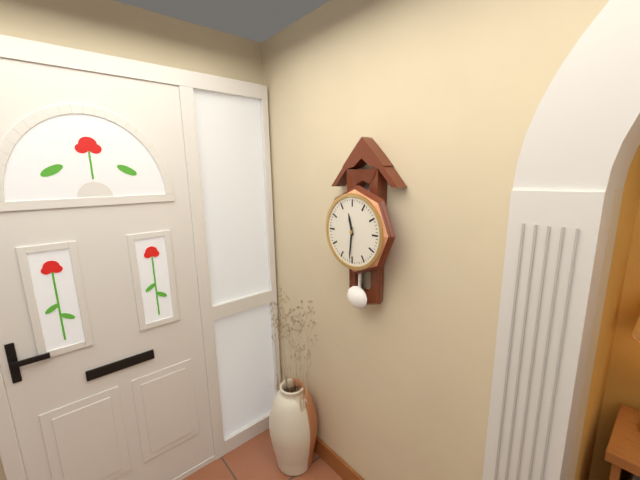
11:31
